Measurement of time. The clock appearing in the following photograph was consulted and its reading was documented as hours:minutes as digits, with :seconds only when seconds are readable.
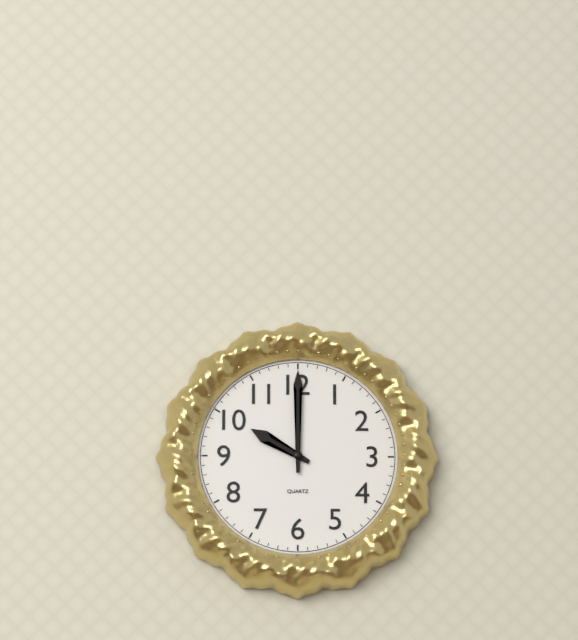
10:00
